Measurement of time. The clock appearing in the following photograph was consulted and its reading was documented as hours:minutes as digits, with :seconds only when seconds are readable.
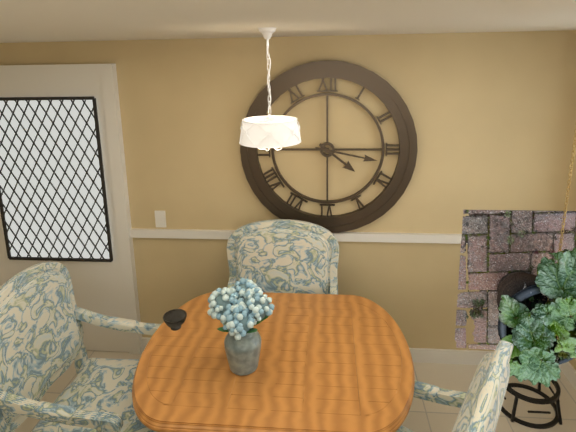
4:17
